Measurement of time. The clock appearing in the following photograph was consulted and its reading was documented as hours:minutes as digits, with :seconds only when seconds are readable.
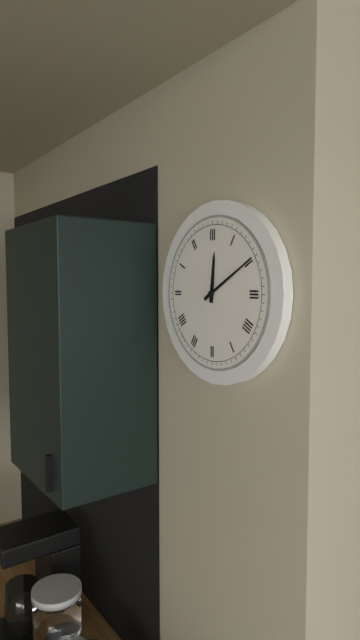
12:10
